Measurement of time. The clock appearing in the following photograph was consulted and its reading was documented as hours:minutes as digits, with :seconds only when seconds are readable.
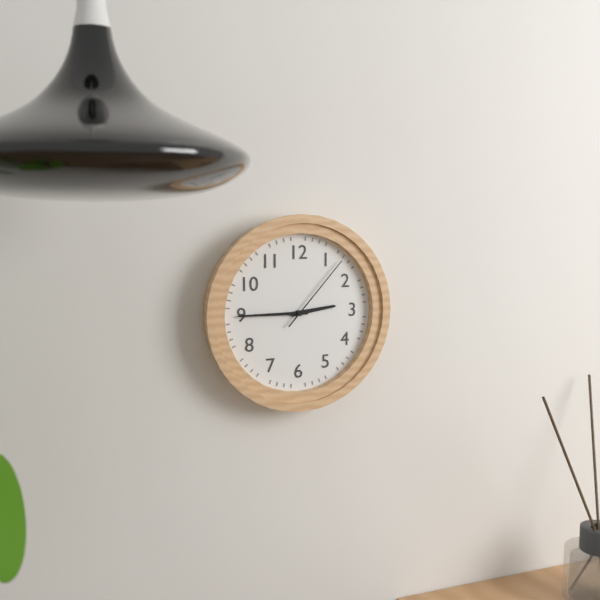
2:45:07
